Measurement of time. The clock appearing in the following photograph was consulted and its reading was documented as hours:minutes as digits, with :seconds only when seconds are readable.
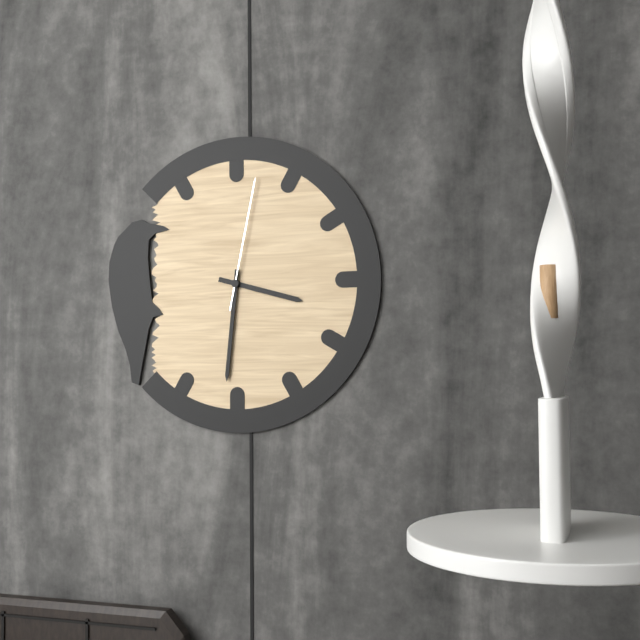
3:31:02
